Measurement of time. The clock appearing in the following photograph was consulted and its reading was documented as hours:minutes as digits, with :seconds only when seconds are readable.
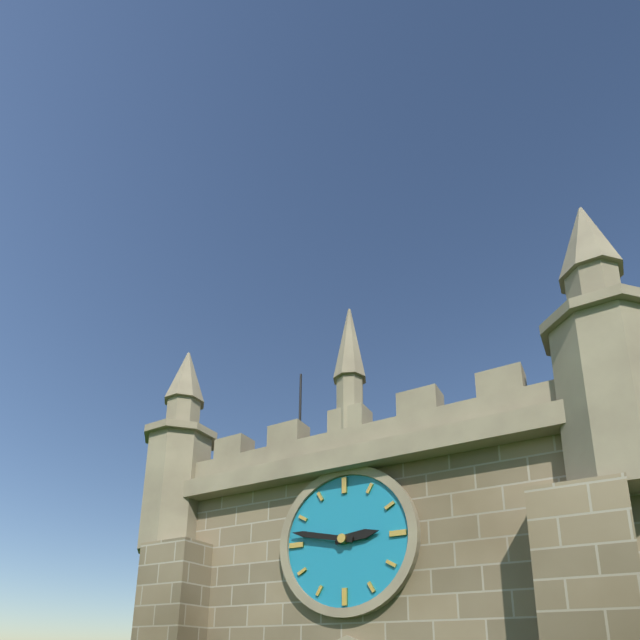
2:47
